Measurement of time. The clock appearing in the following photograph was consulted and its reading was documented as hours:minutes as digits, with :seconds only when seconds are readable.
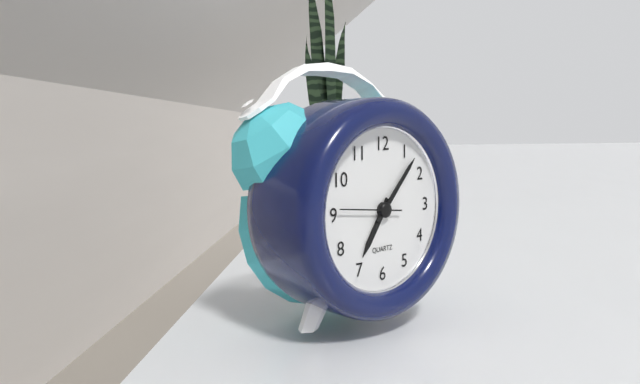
7:07:46
